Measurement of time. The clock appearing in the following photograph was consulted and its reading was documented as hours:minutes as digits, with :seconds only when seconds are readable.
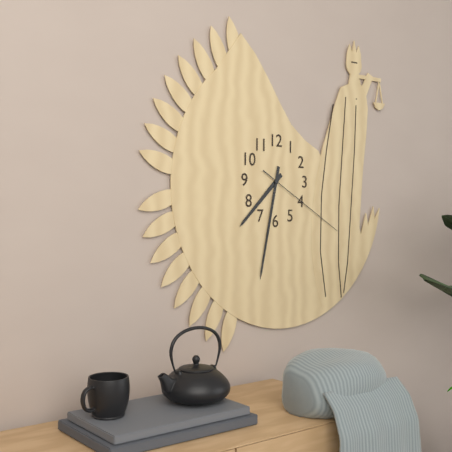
7:32:20
